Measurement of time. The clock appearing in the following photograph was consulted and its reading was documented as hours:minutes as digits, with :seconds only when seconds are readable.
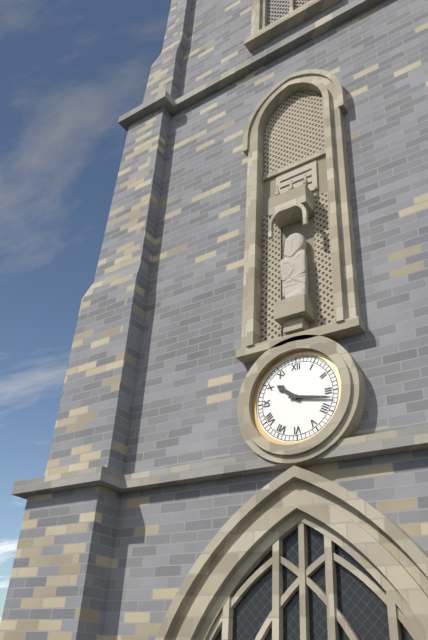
10:17
